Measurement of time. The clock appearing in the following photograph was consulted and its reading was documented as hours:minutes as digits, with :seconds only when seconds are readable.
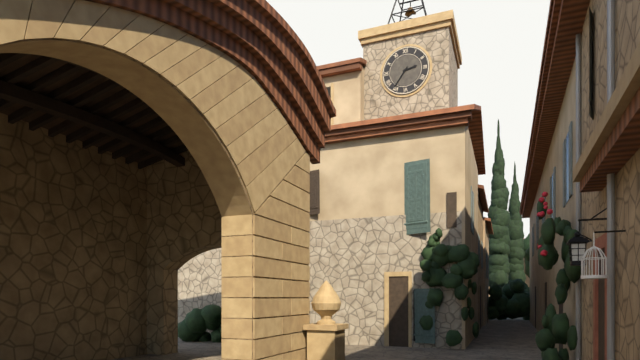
2:36
